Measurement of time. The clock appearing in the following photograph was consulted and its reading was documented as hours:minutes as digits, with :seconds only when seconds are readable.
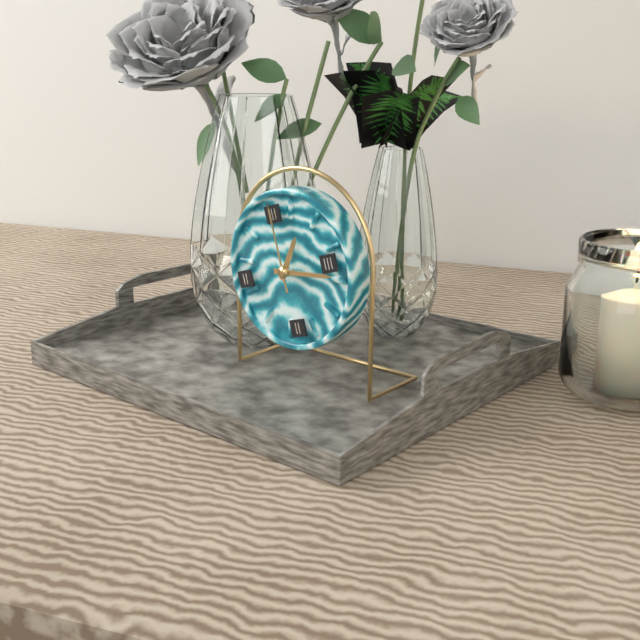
1:17:00
